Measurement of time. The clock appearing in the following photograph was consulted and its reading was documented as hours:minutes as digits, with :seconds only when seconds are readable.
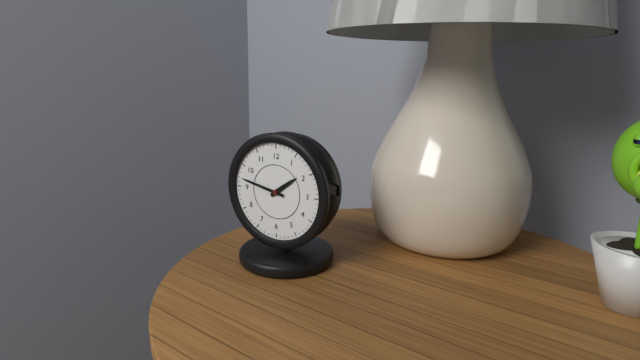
1:47
